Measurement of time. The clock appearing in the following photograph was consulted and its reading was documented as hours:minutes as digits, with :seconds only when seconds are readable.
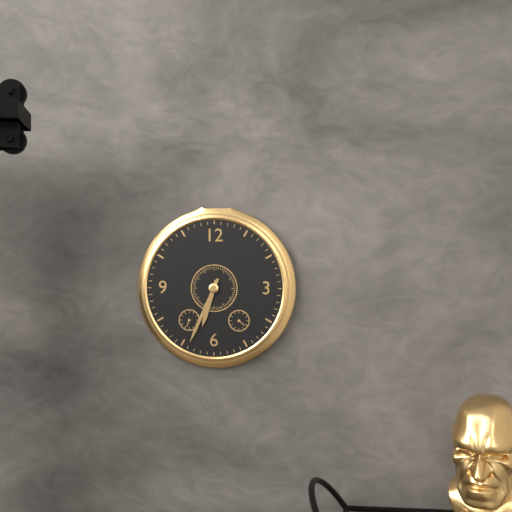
6:34
